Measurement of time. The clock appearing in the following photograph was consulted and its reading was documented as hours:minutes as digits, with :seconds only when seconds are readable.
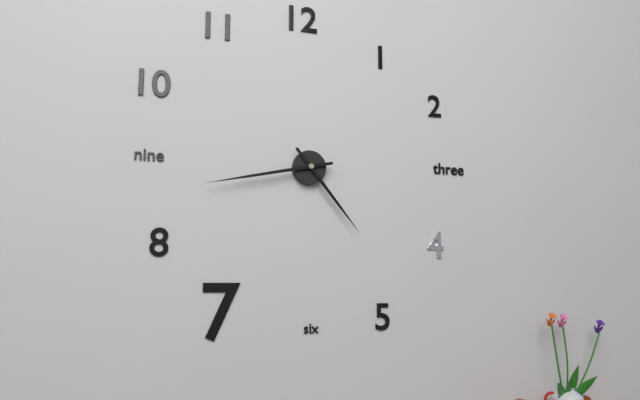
4:43
